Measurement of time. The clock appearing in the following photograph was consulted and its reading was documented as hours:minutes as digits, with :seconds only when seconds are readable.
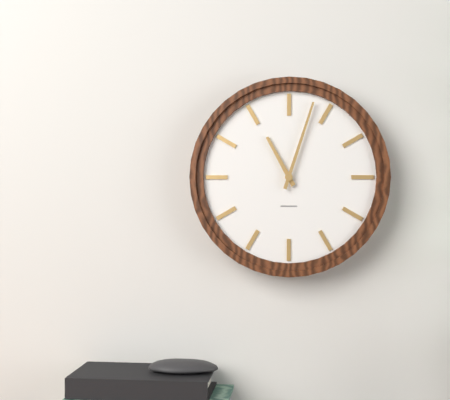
11:03
